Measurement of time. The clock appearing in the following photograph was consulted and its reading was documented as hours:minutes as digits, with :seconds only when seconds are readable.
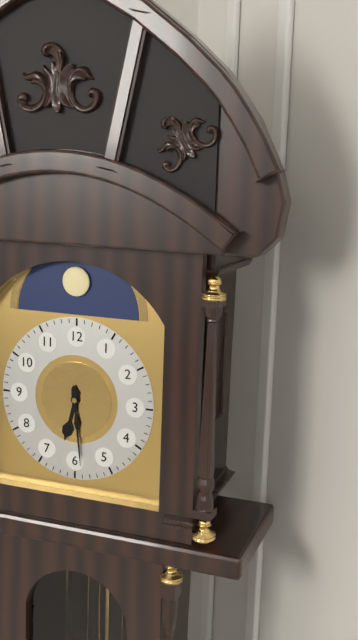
6:29
